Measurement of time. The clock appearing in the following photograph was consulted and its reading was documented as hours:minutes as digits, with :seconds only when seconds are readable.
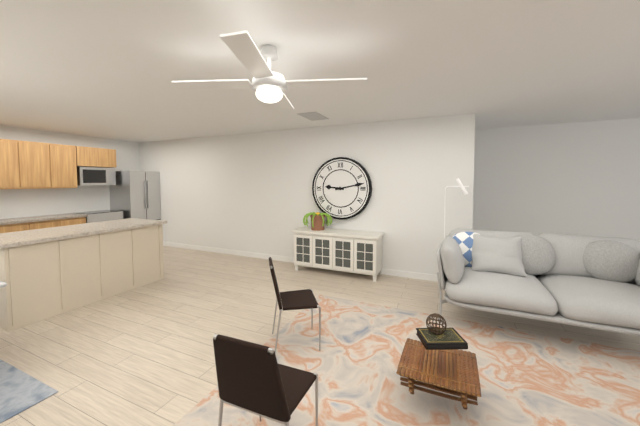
9:13
